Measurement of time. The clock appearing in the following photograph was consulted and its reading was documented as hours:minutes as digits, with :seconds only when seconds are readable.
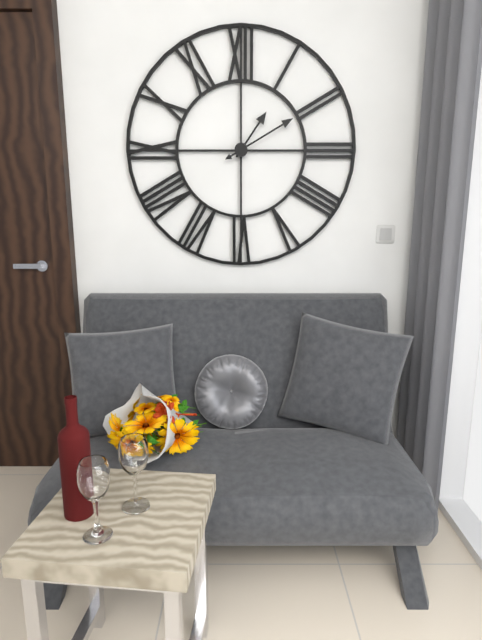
1:10
